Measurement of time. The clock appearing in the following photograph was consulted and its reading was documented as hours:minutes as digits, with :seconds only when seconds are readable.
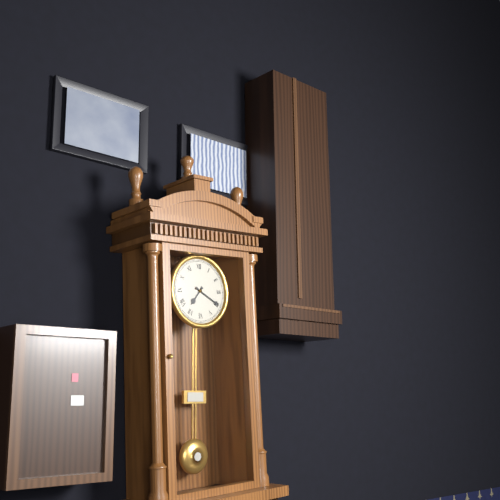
7:20
